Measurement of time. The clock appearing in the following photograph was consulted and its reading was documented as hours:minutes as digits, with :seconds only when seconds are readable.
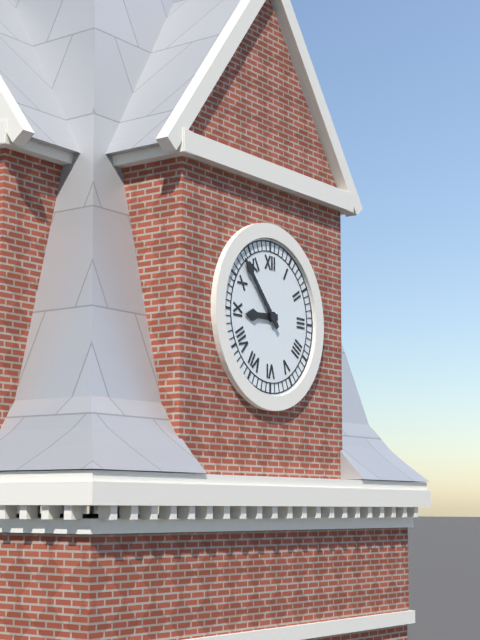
8:53
